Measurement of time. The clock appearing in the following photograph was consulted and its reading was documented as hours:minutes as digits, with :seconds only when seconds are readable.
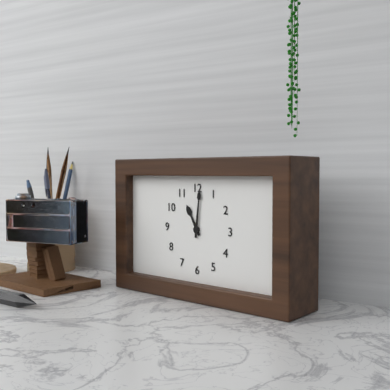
11:01
